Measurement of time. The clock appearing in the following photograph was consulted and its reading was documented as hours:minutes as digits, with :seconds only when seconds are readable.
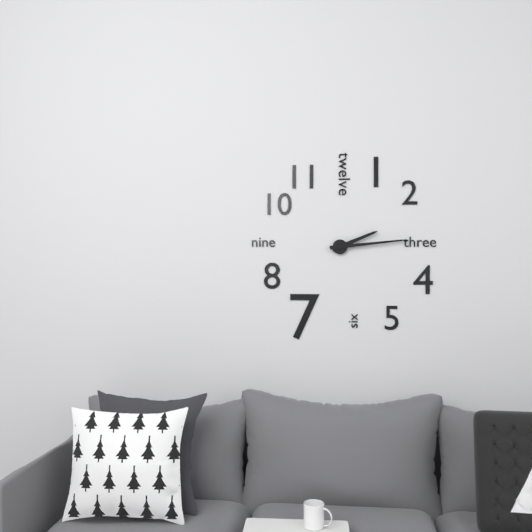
2:14
